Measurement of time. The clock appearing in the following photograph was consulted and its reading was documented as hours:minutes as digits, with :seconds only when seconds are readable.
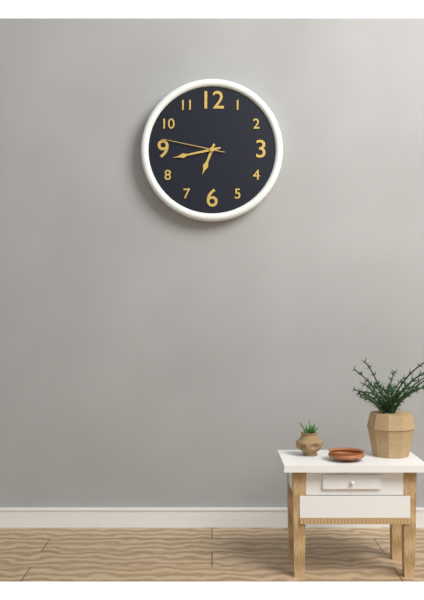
6:43:47
